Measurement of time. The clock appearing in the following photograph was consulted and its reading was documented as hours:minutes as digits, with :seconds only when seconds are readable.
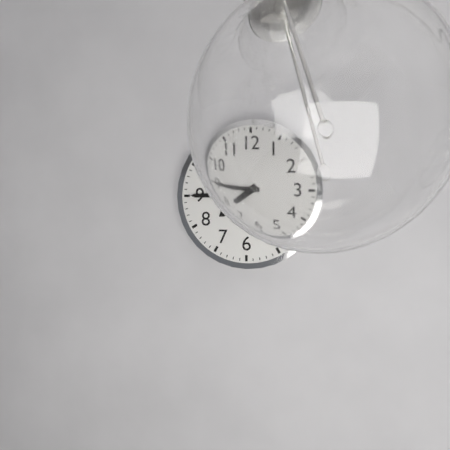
7:45
